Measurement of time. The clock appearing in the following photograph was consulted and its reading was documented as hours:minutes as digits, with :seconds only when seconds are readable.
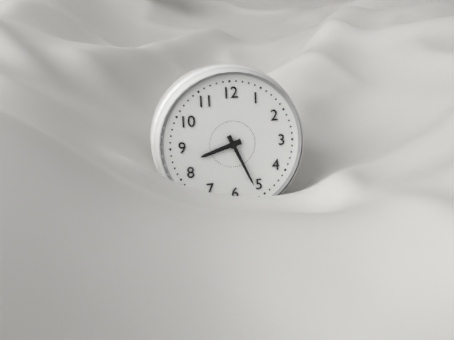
8:26
